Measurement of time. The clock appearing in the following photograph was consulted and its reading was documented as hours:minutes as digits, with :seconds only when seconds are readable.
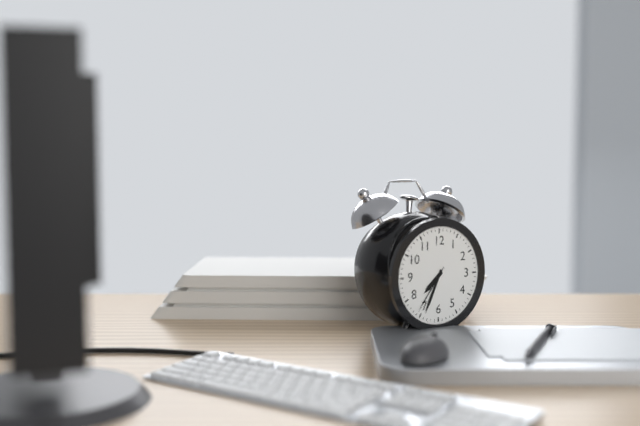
7:34:36
